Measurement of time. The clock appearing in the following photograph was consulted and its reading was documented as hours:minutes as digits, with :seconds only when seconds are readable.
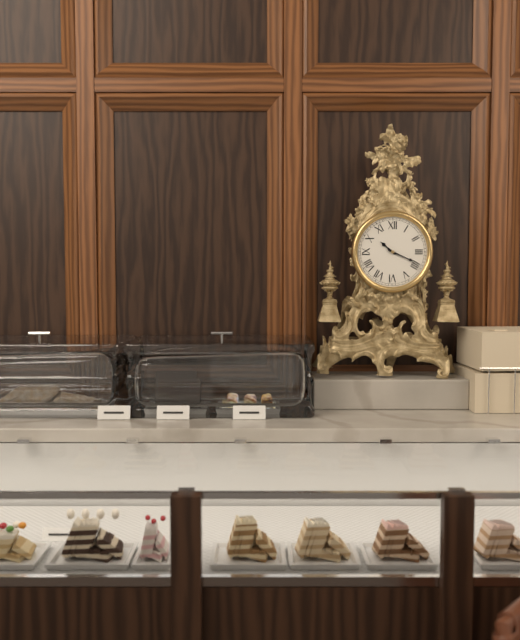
10:19
